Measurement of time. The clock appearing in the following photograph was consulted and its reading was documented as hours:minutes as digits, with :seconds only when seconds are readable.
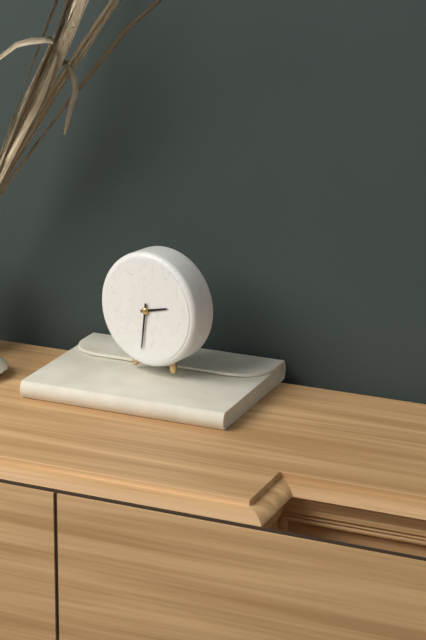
2:31
